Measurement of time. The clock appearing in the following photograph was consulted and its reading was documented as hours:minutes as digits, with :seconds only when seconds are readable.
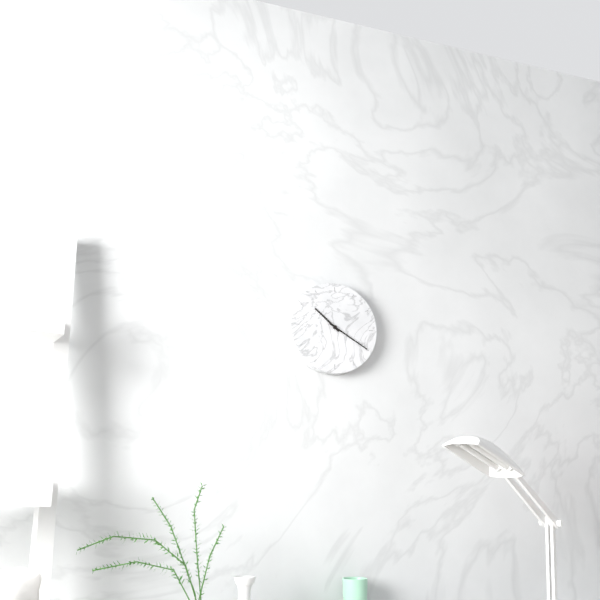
10:20
